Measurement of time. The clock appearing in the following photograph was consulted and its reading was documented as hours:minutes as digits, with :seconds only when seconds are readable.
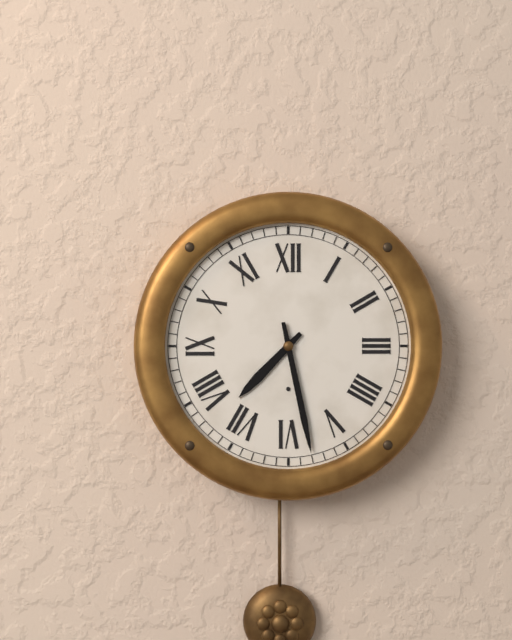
7:28
